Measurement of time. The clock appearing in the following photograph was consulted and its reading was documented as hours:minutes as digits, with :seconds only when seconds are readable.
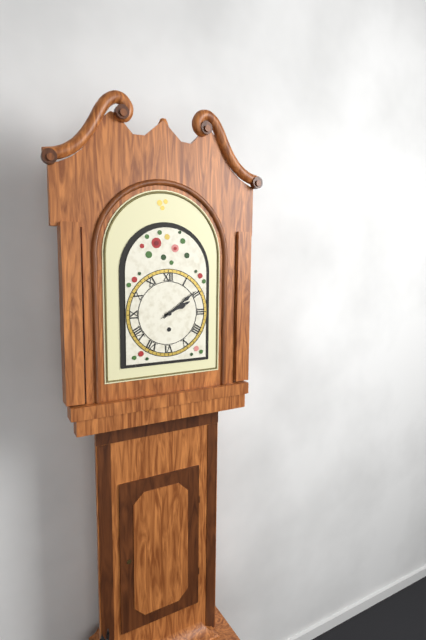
2:09
